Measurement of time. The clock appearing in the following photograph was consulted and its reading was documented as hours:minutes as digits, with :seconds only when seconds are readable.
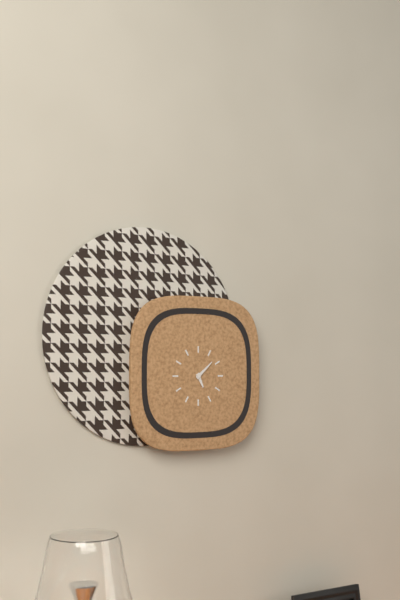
5:08
